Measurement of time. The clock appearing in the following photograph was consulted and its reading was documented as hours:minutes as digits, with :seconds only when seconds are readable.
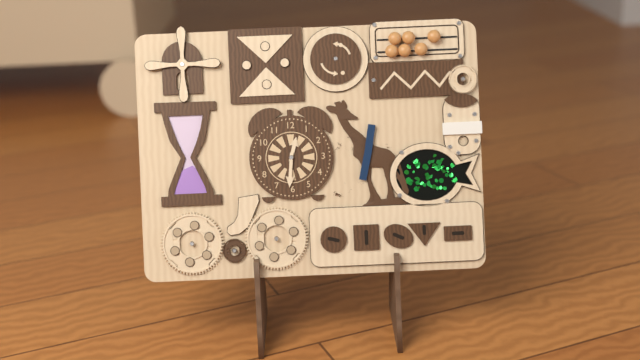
12:31
